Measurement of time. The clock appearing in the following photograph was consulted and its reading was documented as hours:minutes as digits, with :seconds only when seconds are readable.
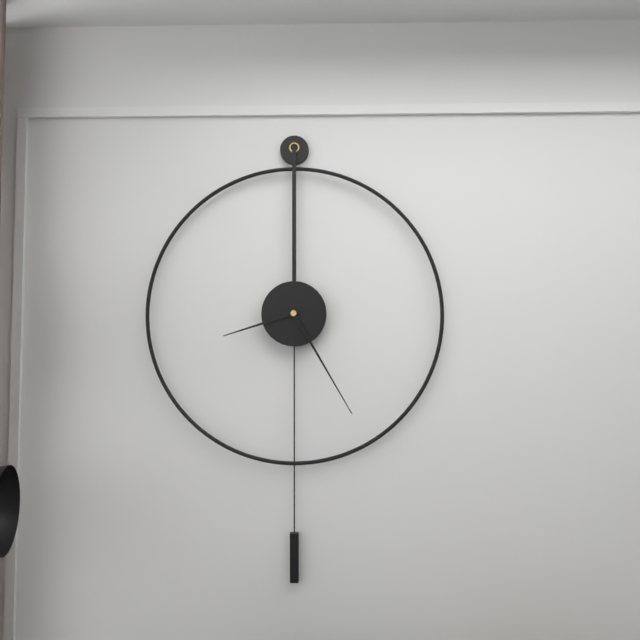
8:25
